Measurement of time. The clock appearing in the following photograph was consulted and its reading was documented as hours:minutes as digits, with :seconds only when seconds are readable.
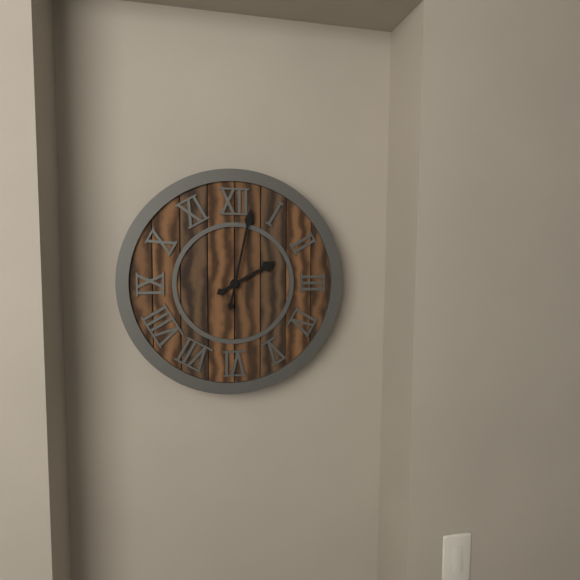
2:02
